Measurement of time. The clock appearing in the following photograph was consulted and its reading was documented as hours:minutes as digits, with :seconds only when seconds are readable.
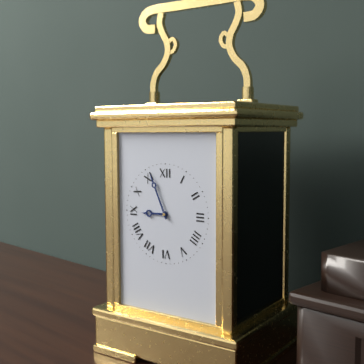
8:56
